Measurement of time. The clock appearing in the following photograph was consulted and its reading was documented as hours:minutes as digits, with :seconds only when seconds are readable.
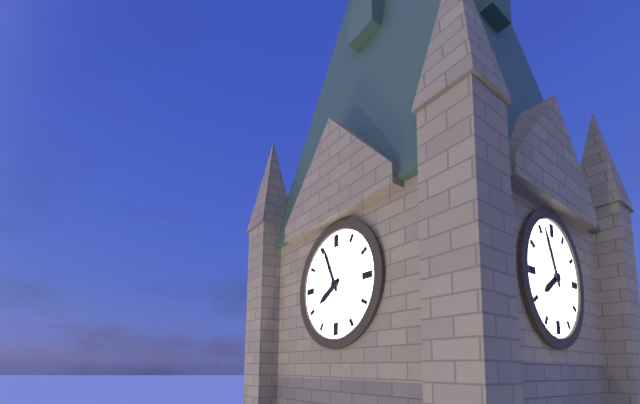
7:56
